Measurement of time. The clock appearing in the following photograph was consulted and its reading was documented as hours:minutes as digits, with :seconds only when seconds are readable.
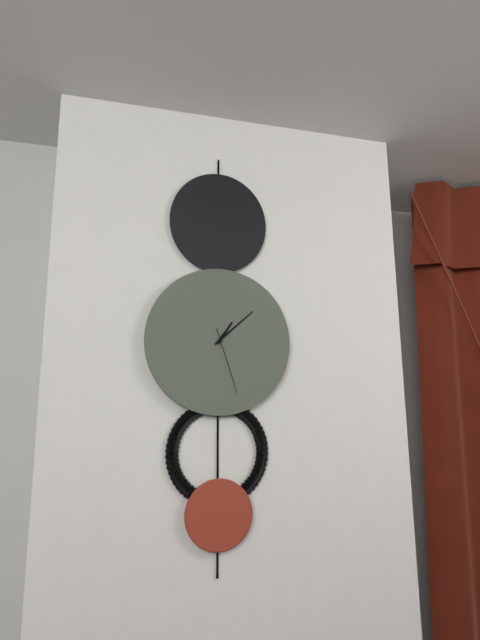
1:08:27
